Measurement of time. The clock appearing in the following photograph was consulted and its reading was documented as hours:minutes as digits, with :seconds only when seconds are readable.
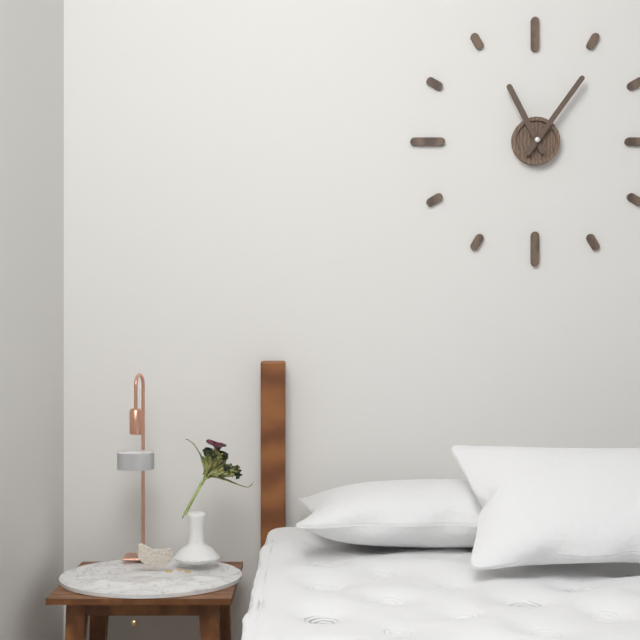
11:06
